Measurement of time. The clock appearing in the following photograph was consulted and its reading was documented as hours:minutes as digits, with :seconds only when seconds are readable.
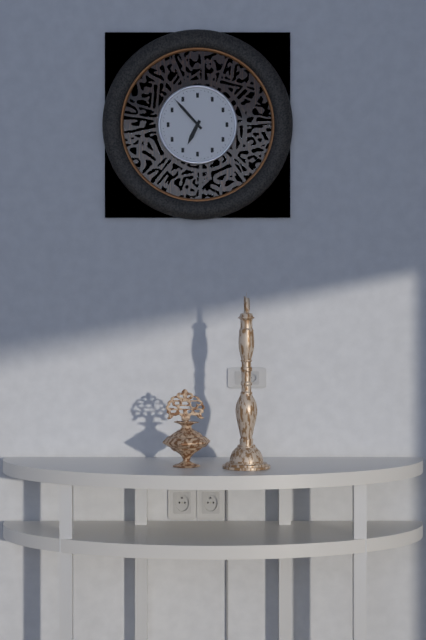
6:53
